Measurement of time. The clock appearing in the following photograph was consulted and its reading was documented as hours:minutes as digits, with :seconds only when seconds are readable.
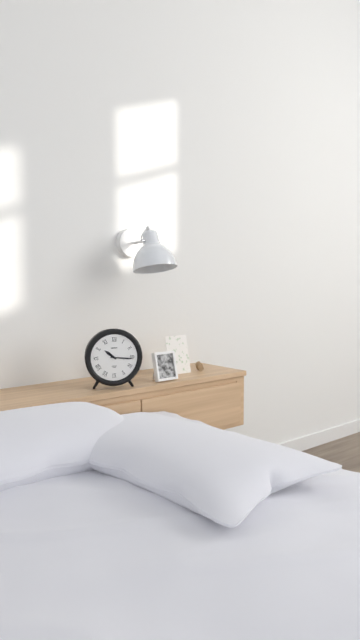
10:16
